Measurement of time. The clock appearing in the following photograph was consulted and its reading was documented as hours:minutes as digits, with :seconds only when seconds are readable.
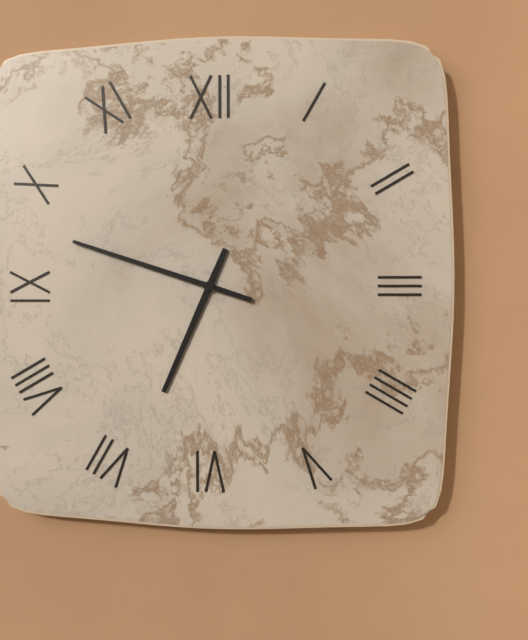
6:48
